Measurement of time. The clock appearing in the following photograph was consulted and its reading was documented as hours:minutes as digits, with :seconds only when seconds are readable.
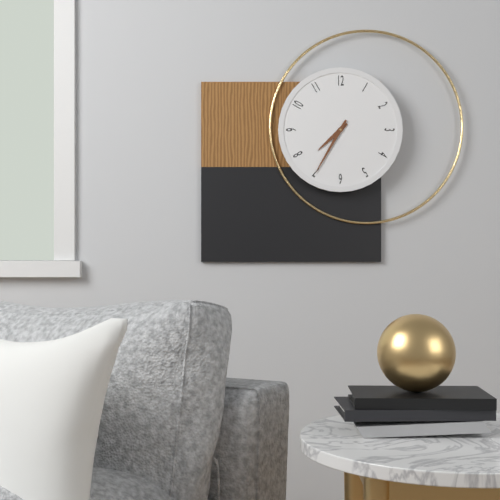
7:35
